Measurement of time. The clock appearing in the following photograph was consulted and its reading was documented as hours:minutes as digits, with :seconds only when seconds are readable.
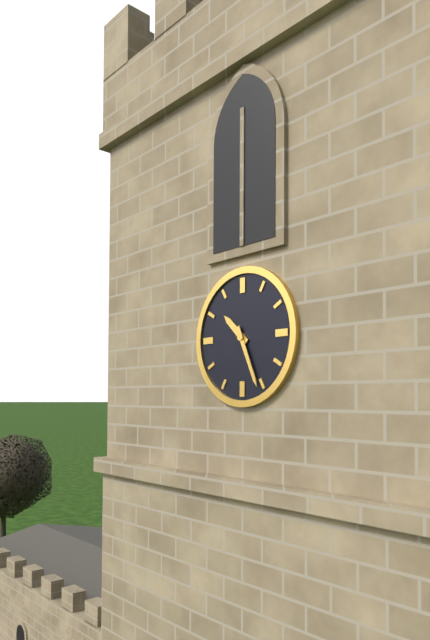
10:26
